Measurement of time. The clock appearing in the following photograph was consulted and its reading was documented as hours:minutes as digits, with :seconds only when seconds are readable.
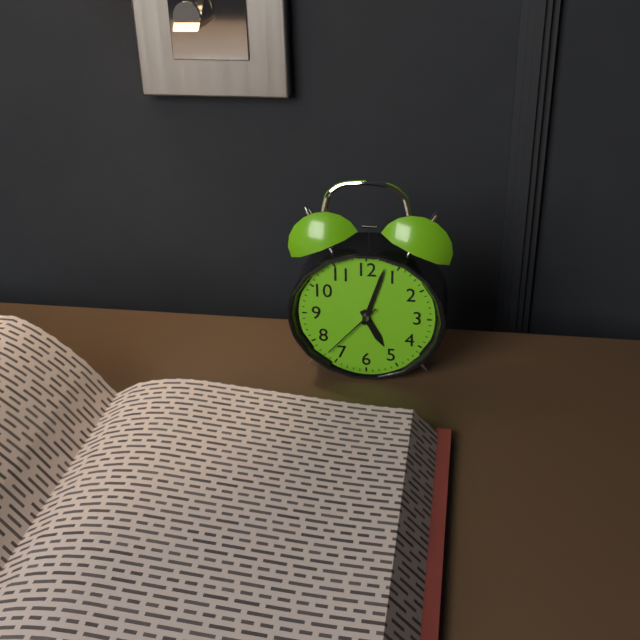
5:03:37
